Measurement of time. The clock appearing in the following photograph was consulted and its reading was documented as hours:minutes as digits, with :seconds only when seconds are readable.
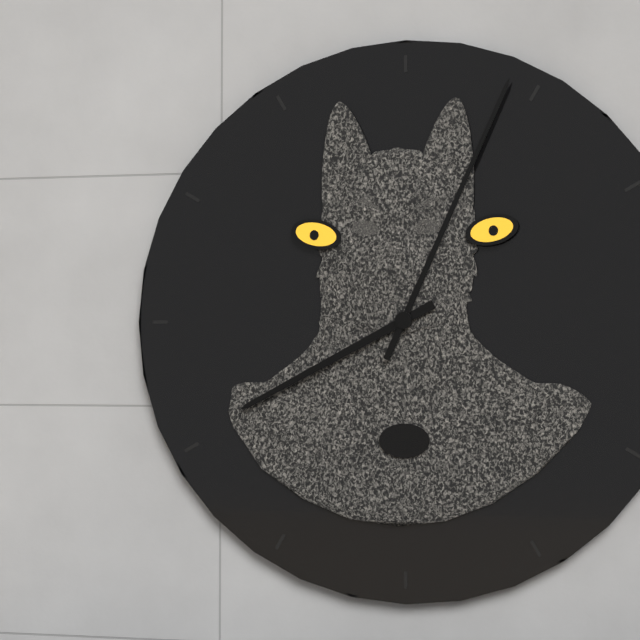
8:04
